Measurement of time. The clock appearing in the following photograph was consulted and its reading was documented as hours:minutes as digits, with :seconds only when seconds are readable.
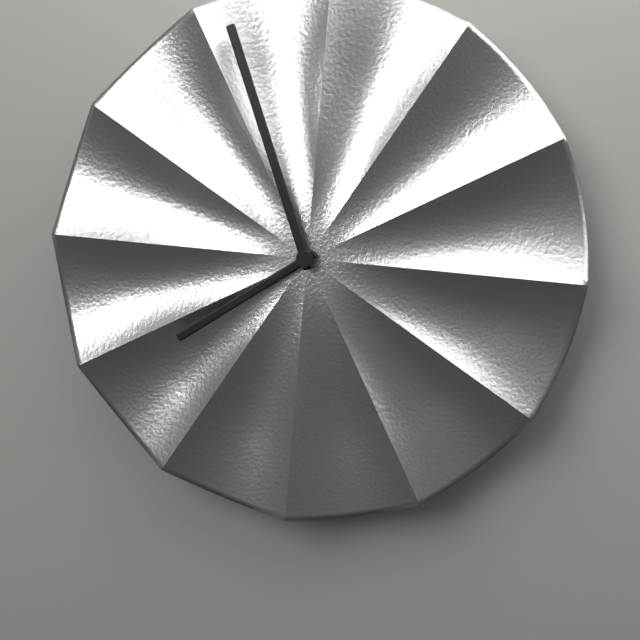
7:57
